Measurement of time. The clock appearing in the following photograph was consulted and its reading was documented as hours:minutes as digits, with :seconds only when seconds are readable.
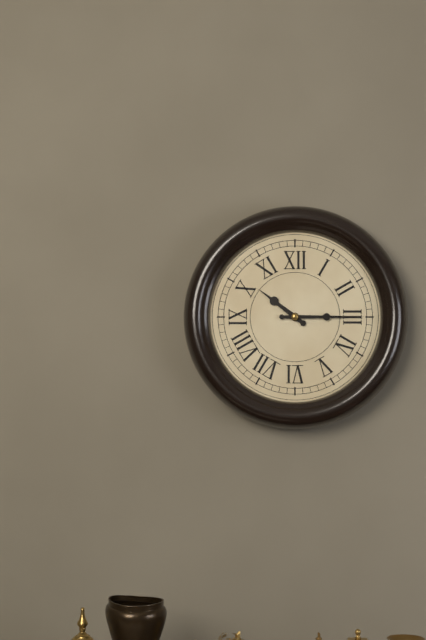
10:15
